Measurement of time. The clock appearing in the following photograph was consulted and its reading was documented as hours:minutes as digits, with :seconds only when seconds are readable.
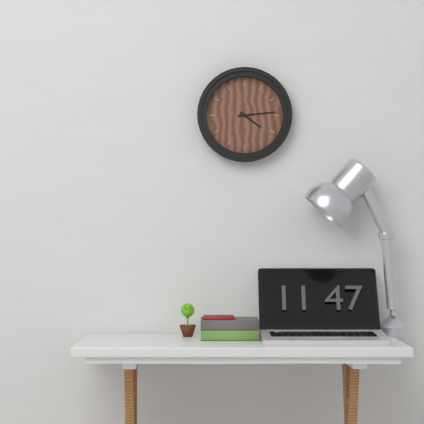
4:14
